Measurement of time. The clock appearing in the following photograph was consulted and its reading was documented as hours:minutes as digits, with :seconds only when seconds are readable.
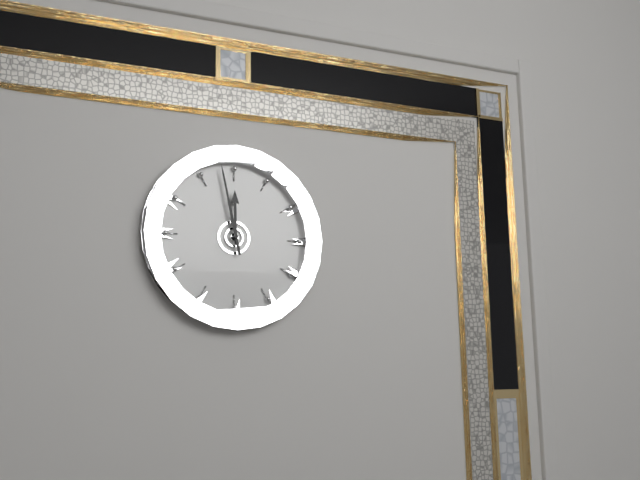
11:58
